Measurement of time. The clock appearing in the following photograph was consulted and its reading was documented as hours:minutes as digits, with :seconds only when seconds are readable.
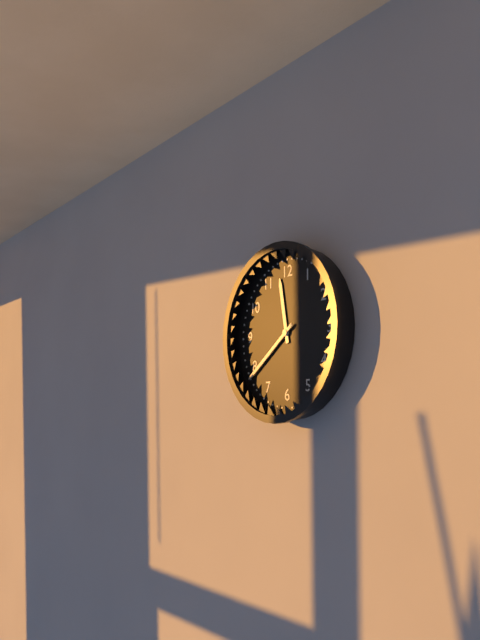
11:39
